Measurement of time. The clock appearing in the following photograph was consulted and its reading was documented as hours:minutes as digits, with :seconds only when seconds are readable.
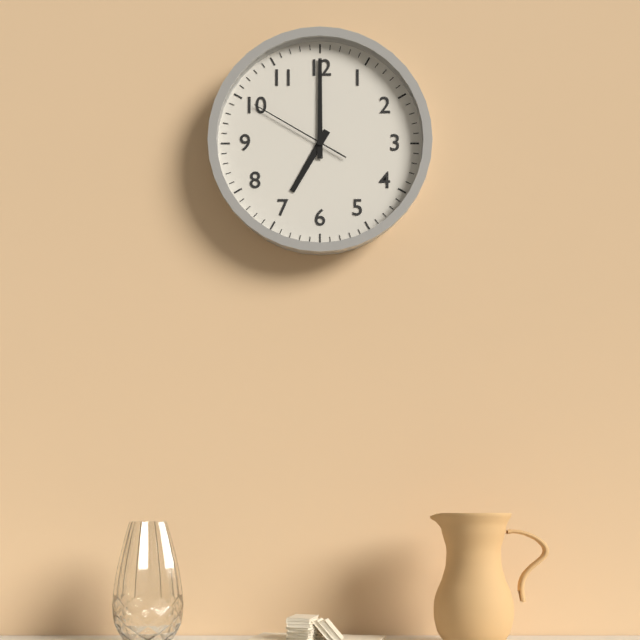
7:00:50
